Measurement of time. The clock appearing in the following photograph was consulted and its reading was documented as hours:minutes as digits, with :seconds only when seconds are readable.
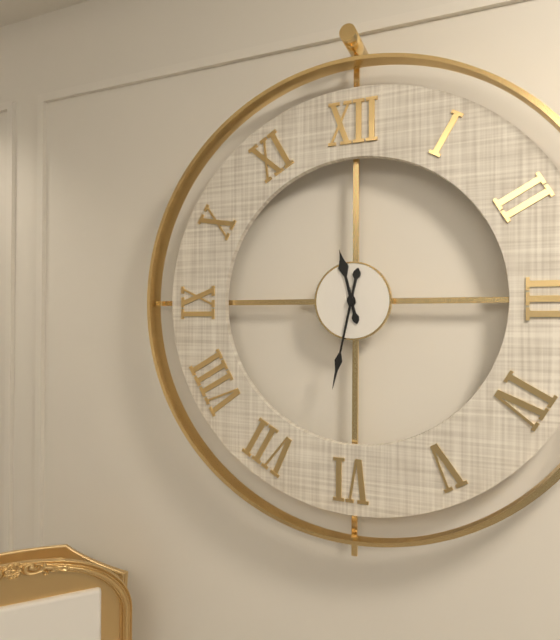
11:32
